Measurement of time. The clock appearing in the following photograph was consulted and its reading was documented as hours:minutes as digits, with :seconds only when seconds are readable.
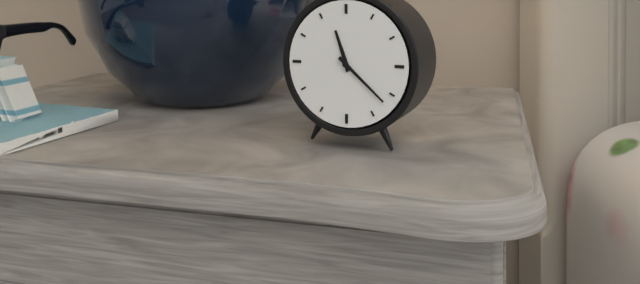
11:22
